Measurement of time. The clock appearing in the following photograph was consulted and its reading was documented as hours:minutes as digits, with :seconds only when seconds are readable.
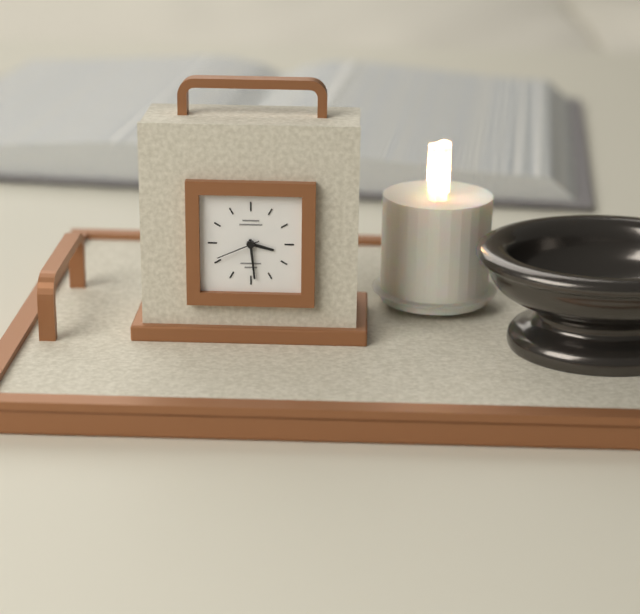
3:29
